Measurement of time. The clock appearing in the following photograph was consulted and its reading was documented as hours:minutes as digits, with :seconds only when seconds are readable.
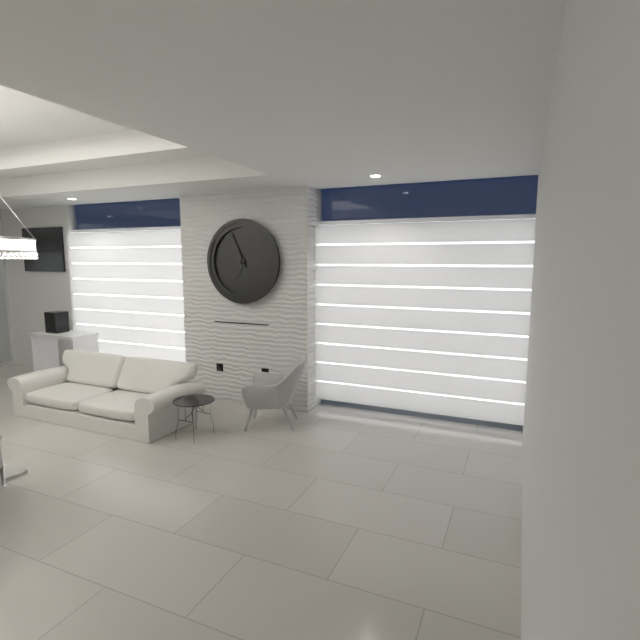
6:56
